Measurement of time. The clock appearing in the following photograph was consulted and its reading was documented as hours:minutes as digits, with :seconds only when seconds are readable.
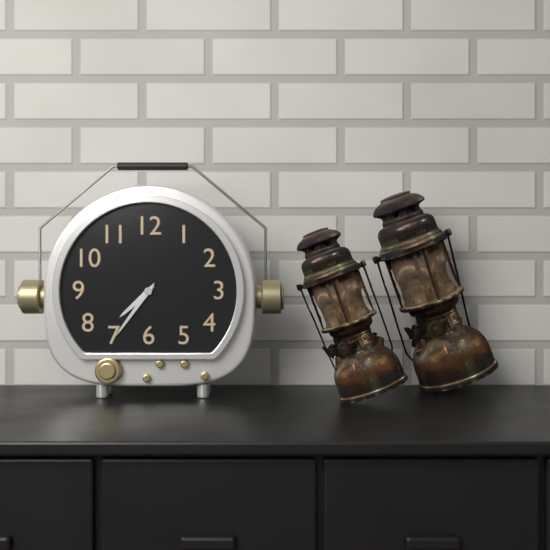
7:36
